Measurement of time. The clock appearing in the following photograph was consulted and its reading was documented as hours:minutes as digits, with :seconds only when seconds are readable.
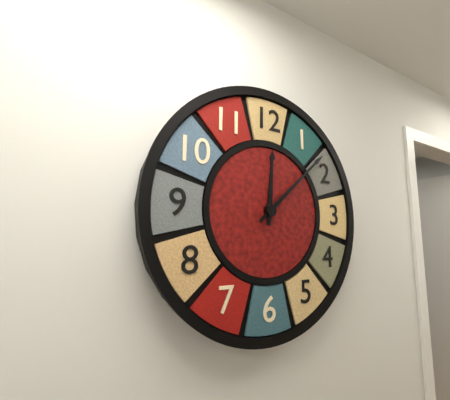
12:08
